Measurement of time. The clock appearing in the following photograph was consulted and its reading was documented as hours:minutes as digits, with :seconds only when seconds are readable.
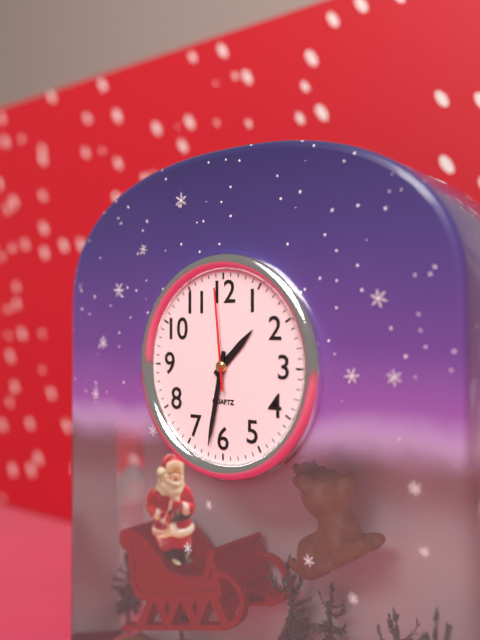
1:32:59
